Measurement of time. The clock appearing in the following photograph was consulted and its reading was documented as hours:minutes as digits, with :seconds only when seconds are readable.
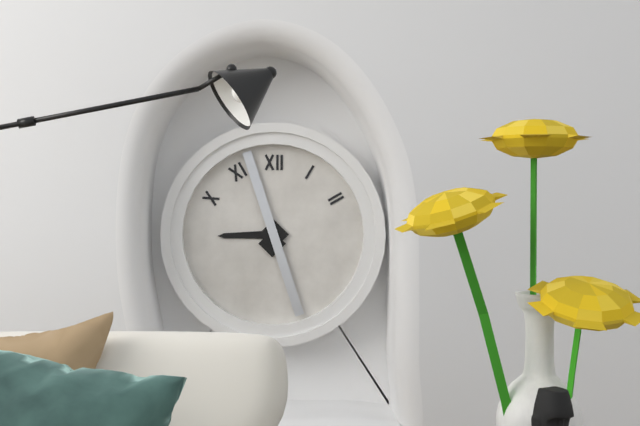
8:57
